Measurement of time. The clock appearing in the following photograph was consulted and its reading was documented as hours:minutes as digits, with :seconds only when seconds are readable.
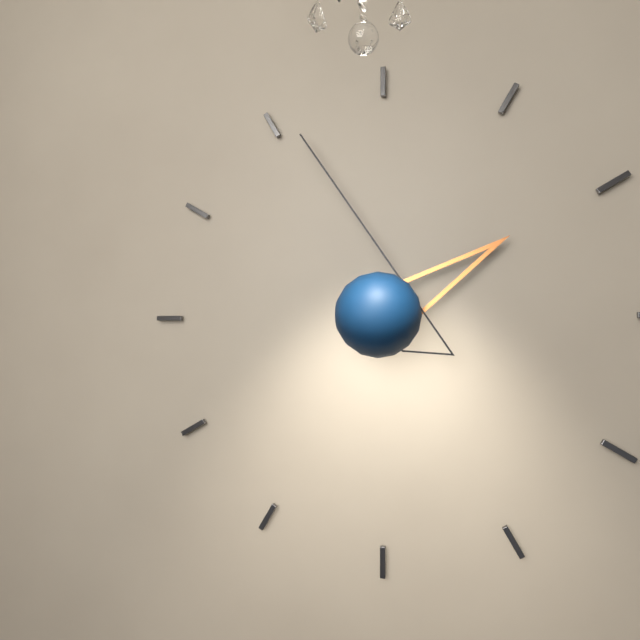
1:56
